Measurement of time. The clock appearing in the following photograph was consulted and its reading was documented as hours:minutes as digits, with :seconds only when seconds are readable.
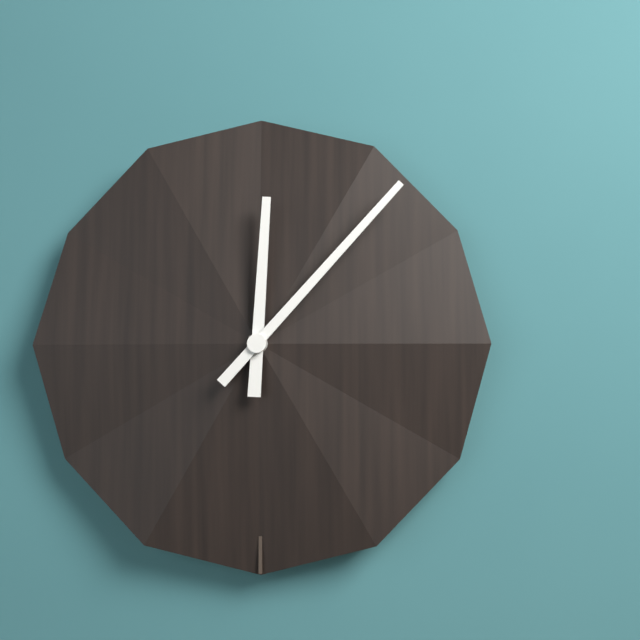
12:07
